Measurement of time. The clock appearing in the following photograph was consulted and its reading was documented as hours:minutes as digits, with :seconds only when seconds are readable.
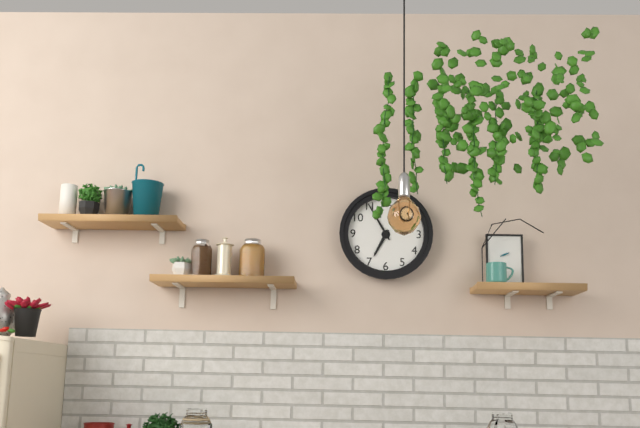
6:55
